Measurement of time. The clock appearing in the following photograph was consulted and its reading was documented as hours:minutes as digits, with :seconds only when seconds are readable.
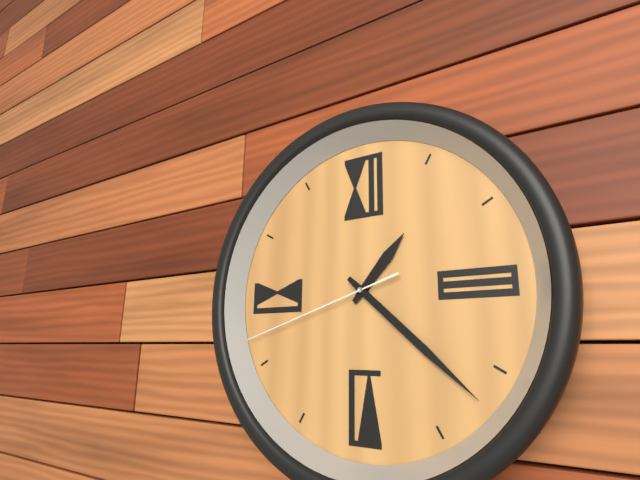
1:22:42
